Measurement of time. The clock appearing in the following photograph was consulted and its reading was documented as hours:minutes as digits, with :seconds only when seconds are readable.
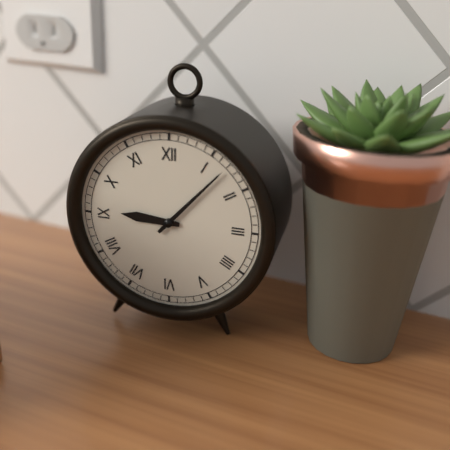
9:07
